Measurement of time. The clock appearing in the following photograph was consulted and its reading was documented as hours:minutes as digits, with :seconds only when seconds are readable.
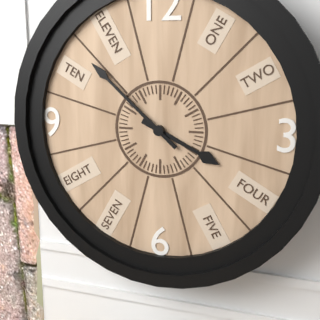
3:52
